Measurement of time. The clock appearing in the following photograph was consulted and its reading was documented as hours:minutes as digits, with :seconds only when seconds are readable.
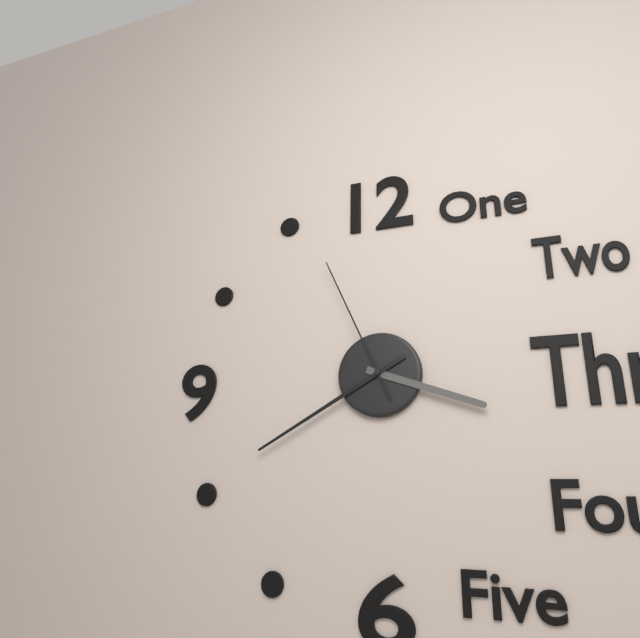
3:40:56
